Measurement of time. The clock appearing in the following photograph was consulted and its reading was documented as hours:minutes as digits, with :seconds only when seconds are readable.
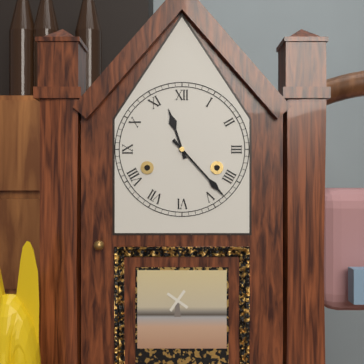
11:23
